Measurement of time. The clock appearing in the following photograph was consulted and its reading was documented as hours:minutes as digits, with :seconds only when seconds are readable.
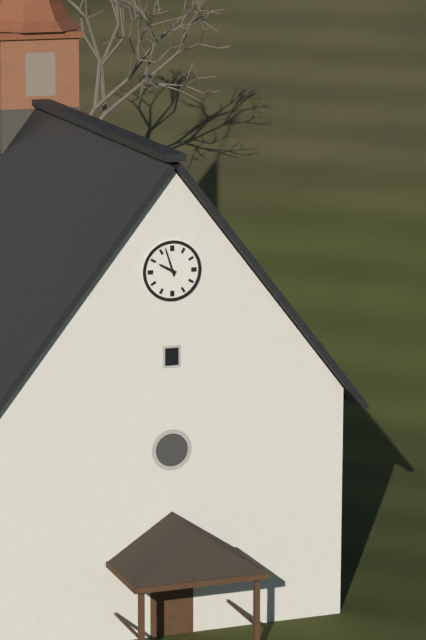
9:57
